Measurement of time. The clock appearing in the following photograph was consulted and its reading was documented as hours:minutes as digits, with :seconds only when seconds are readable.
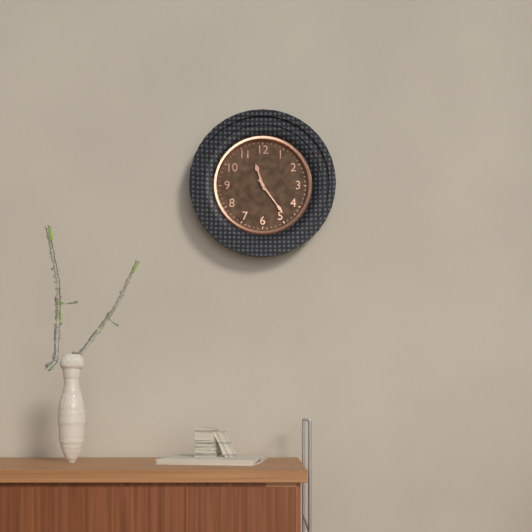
11:24
